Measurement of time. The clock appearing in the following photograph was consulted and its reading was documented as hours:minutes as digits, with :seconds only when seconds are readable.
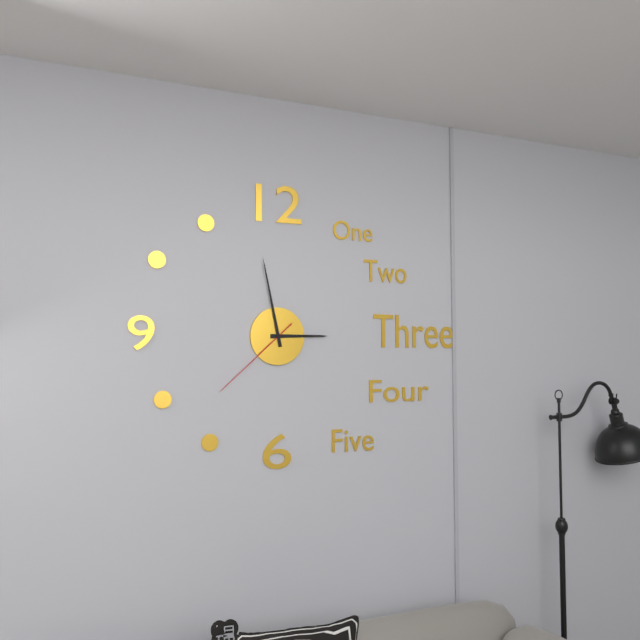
2:58:38
